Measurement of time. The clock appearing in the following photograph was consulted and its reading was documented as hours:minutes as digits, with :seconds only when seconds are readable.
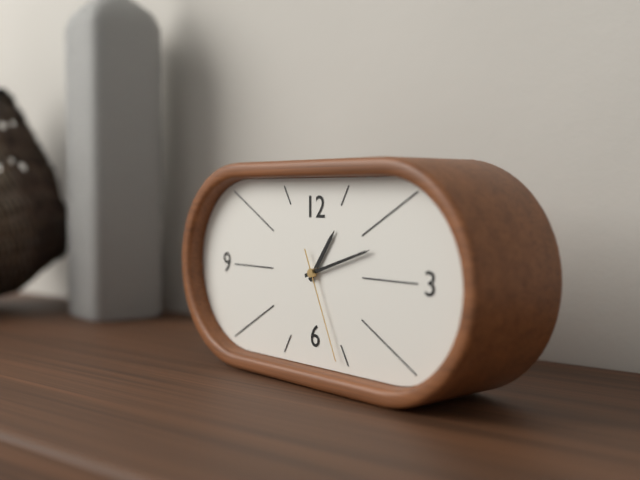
1:12:26
